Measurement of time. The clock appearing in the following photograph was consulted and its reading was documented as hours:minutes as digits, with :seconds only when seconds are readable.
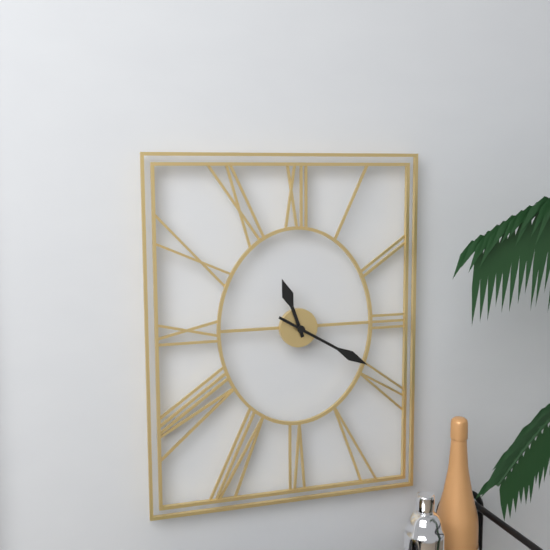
11:20
